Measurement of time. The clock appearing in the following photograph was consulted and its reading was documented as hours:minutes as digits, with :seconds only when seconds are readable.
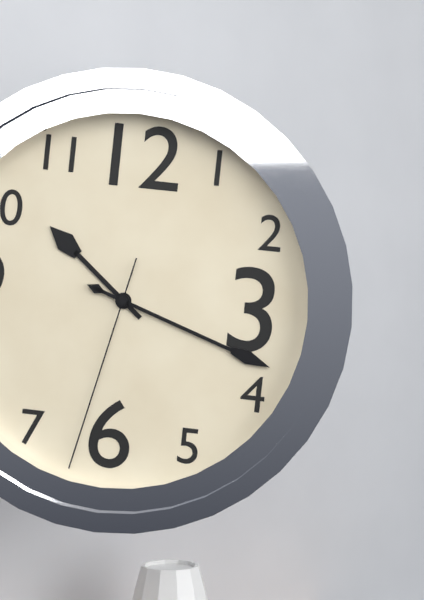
10:18:32
